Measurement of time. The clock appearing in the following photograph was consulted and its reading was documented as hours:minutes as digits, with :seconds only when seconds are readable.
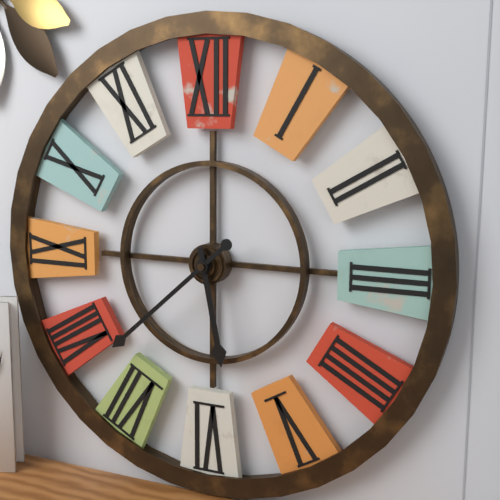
5:38
